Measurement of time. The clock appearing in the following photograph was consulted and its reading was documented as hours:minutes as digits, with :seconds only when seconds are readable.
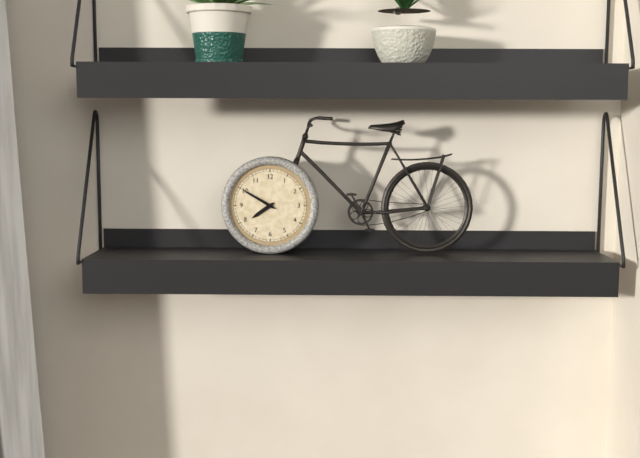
7:50
